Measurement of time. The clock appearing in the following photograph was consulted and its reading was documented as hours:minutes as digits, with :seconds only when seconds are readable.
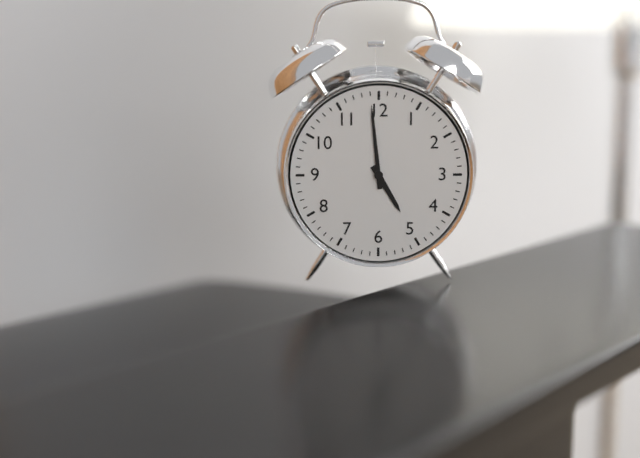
4:59
